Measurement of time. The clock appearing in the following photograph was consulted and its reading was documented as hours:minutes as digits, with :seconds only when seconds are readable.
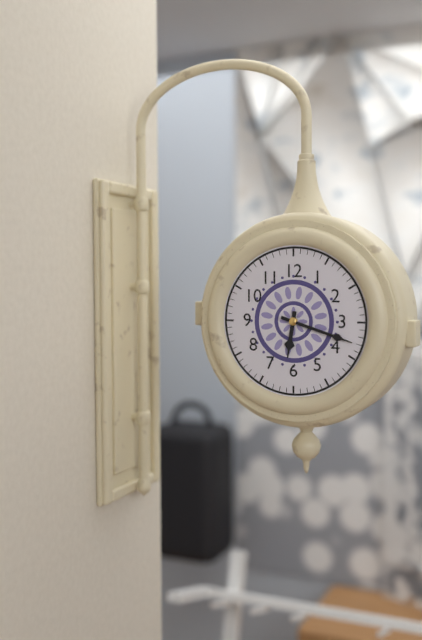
6:18
